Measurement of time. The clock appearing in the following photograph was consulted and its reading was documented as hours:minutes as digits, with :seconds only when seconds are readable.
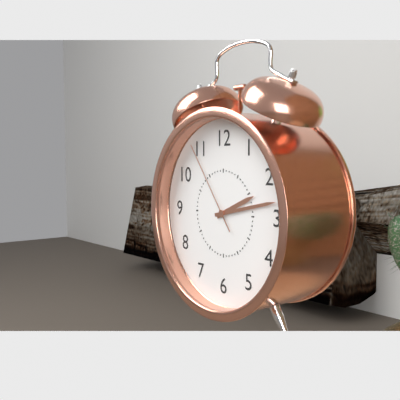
2:13:54
